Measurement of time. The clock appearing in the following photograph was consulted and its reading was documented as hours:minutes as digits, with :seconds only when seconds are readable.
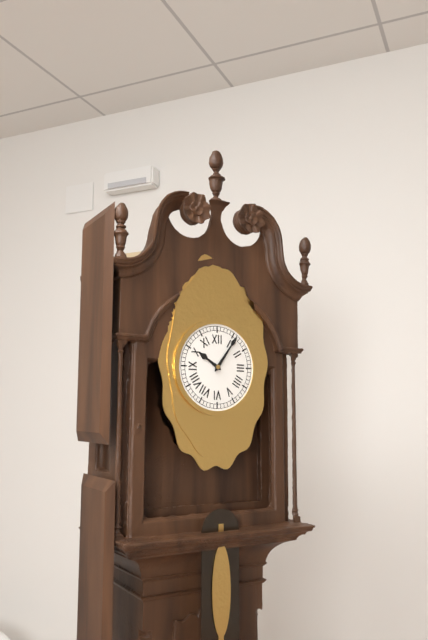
10:06
